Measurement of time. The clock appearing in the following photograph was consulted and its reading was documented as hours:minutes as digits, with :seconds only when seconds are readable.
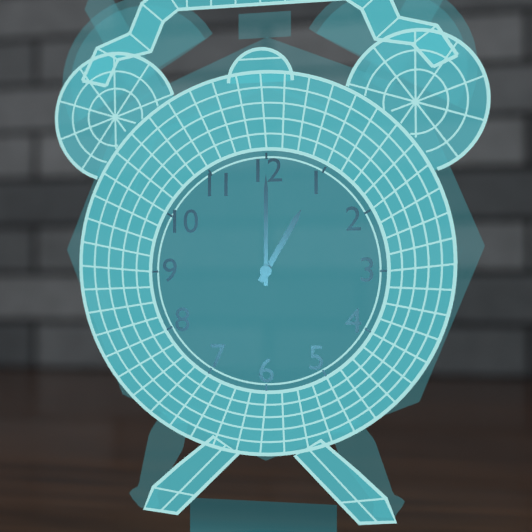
1:00
